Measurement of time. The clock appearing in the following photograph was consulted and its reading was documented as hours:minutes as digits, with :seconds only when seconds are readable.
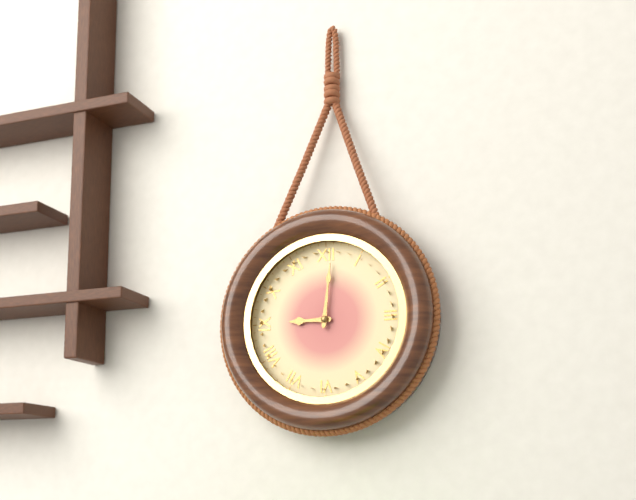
9:01
